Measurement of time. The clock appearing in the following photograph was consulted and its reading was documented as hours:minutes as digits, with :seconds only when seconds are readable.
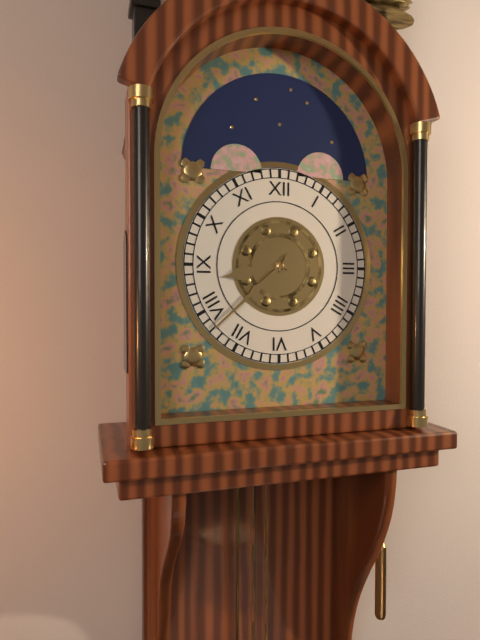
8:38
